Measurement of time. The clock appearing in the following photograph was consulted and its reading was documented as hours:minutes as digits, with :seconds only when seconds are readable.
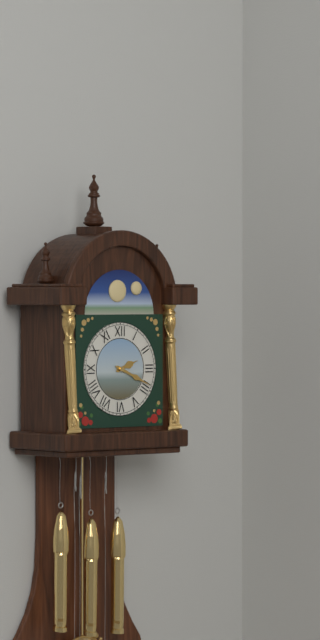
2:19
